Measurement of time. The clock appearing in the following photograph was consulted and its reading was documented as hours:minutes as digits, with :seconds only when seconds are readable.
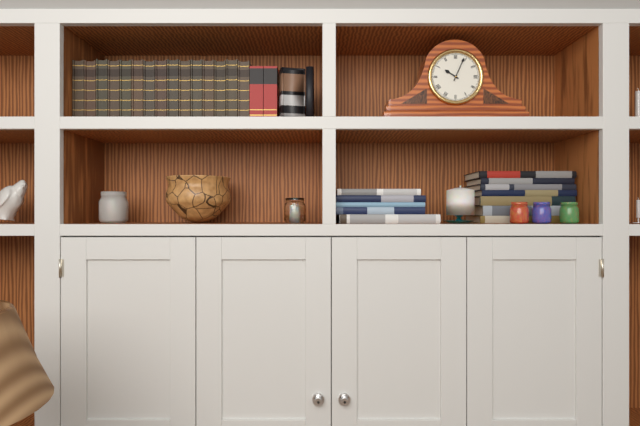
10:04
